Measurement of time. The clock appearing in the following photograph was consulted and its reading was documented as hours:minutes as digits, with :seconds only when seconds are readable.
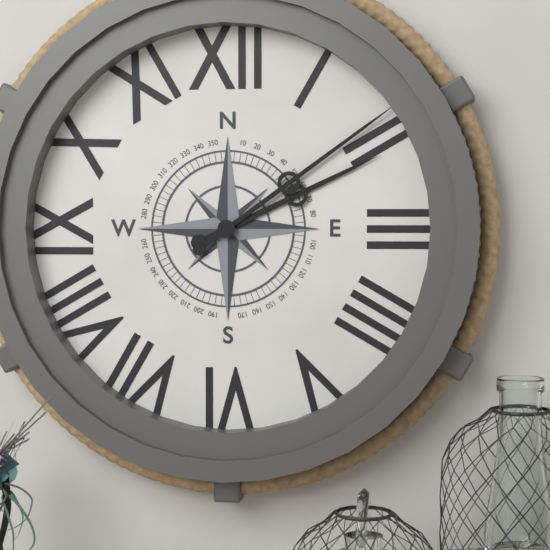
2:09
